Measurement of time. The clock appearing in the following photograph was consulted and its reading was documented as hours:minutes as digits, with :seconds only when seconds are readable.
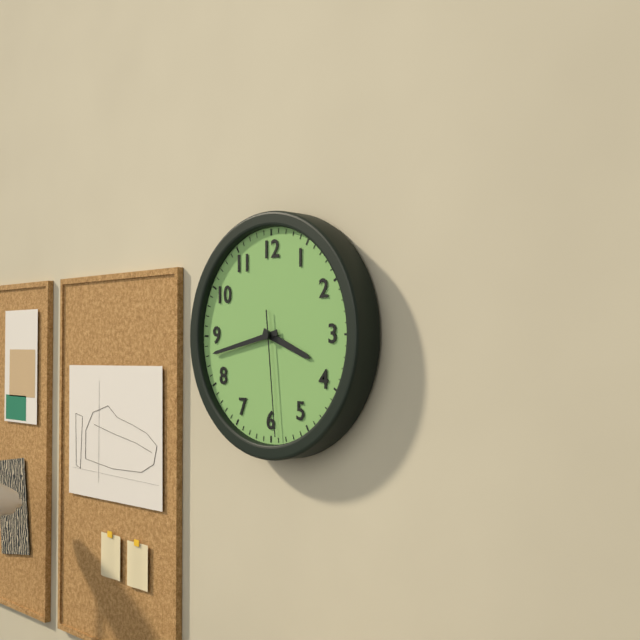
3:43:29
